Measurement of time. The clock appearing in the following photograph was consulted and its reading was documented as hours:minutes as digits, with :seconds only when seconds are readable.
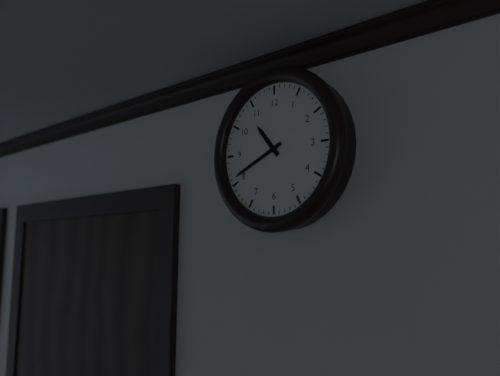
10:41
